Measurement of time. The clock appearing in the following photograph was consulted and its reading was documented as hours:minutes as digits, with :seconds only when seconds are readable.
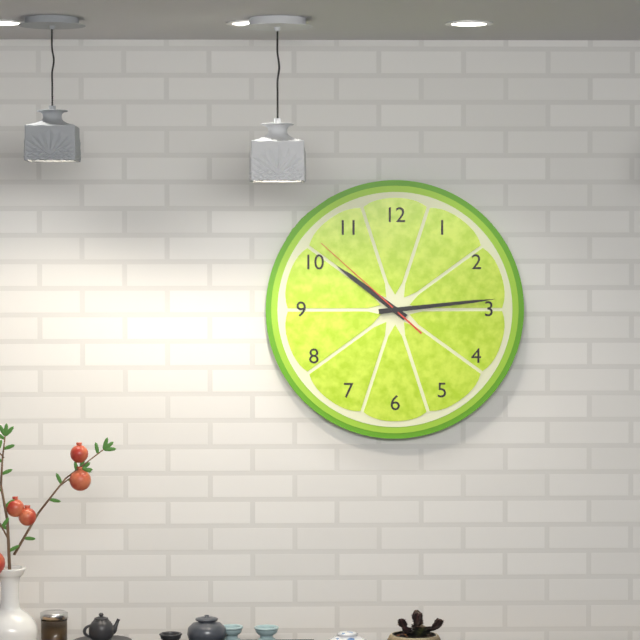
10:14:52
